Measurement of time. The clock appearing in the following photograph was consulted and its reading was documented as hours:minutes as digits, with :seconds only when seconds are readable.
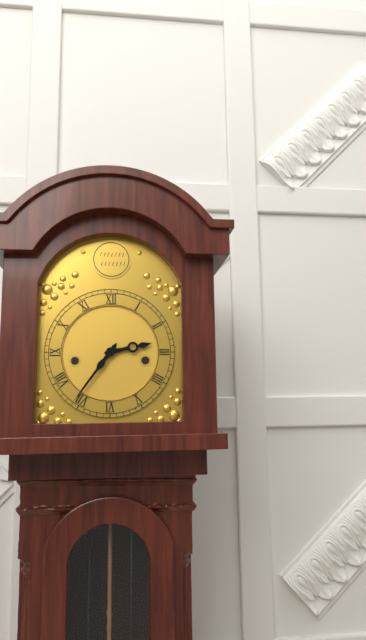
2:36
